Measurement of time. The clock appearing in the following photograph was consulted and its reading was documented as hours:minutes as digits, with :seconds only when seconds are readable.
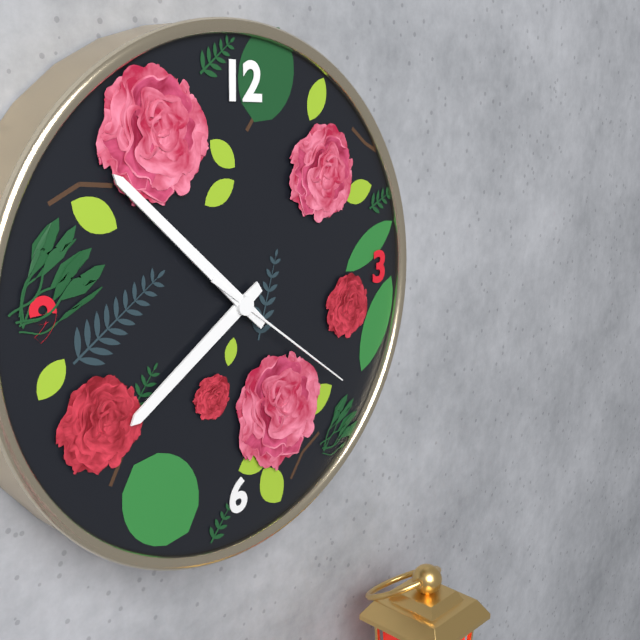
7:52:21
